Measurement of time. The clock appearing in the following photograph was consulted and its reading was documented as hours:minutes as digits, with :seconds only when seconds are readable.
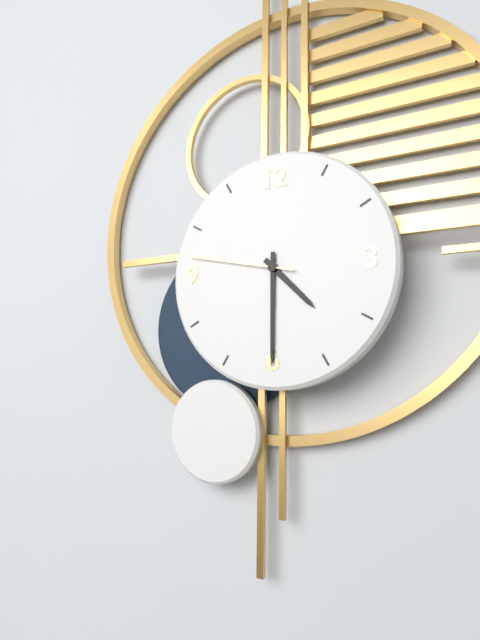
4:30:47
